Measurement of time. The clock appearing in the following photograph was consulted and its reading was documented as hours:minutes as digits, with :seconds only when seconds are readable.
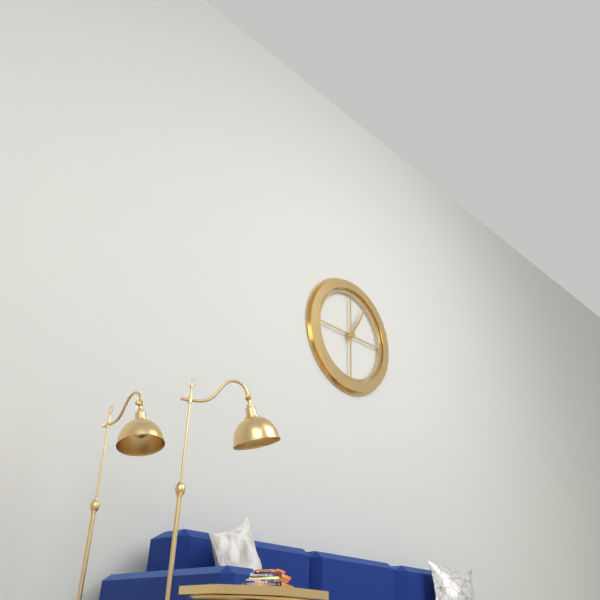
1:05
